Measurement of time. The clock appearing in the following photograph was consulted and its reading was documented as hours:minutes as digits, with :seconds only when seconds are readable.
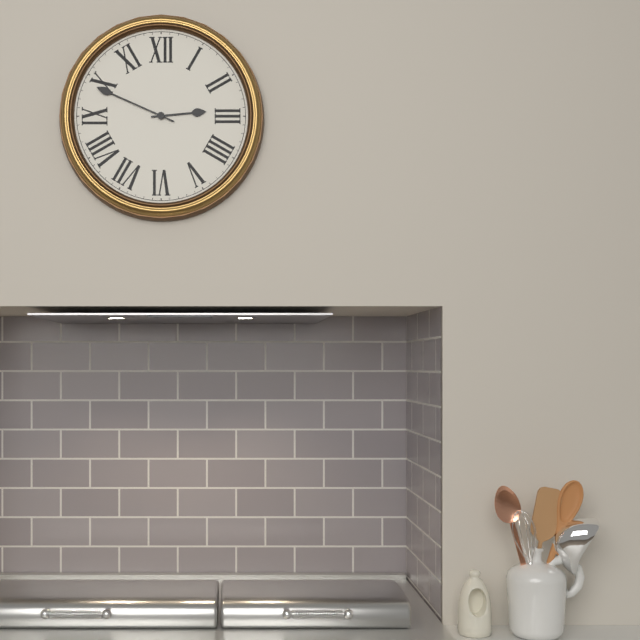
2:49
